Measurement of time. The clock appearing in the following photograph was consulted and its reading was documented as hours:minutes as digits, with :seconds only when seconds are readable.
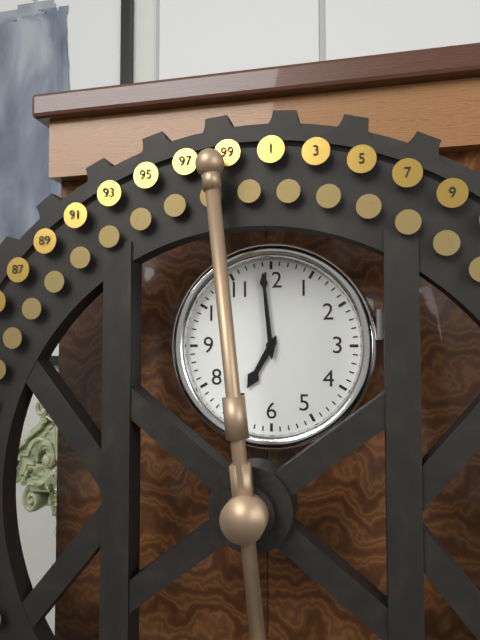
6:59
